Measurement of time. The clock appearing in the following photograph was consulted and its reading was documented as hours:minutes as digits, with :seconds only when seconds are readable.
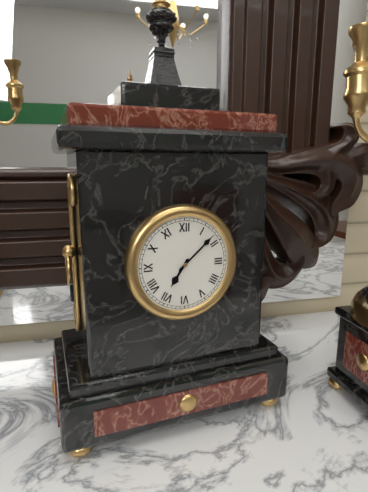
7:08
